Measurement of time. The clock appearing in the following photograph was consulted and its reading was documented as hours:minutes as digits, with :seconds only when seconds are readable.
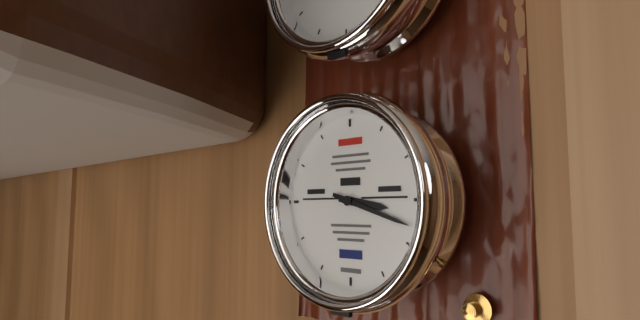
3:18
